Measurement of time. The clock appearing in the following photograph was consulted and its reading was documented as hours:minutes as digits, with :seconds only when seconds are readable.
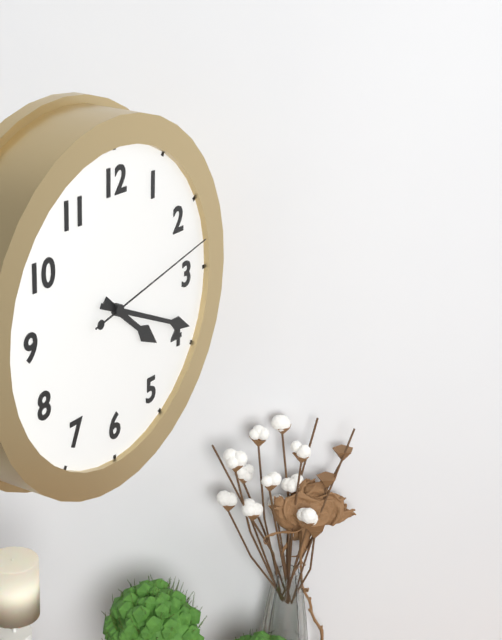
4:19:13
